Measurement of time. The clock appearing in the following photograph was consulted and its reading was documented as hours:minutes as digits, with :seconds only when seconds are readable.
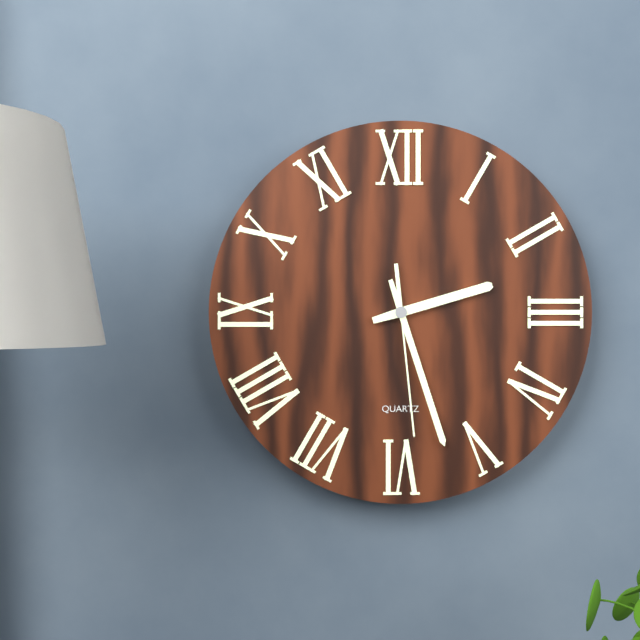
2:27:29
